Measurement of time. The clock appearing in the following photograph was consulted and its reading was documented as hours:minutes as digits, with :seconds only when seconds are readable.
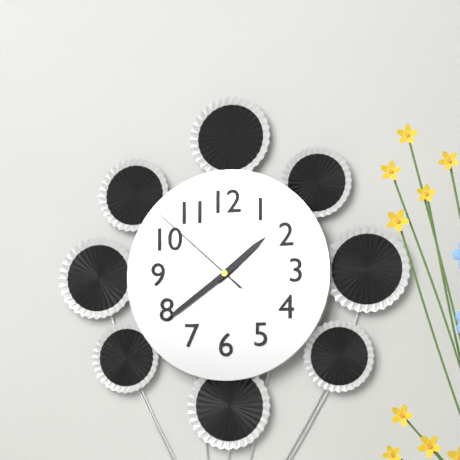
1:39:52
